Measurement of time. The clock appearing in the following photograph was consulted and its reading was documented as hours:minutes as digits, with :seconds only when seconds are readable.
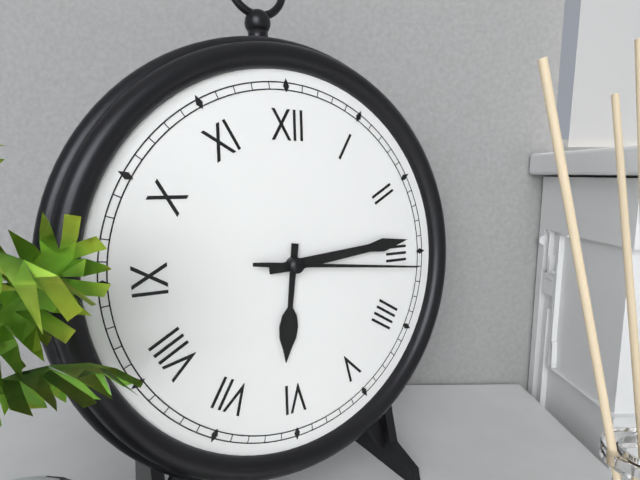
6:14:16
